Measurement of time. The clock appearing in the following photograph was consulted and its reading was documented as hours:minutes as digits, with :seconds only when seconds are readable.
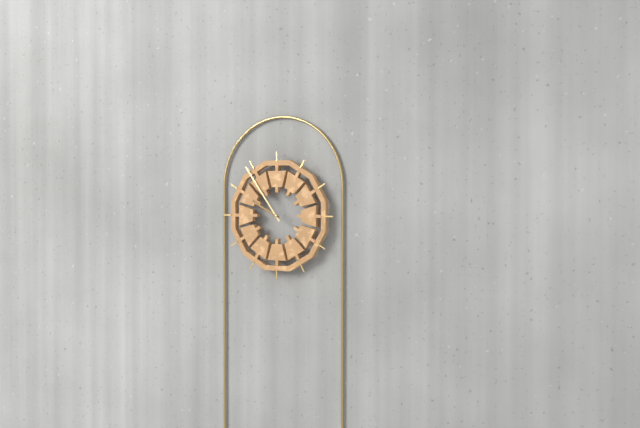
9:54
